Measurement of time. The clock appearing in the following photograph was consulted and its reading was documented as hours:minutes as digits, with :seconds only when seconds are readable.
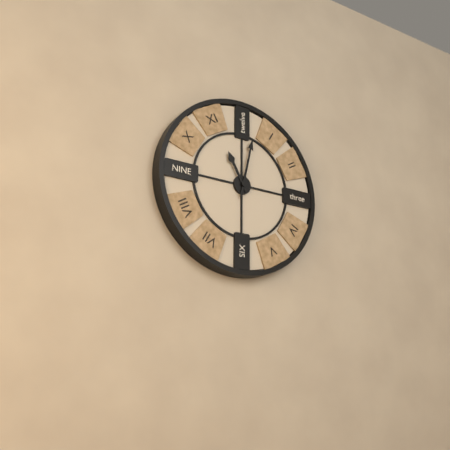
11:02
